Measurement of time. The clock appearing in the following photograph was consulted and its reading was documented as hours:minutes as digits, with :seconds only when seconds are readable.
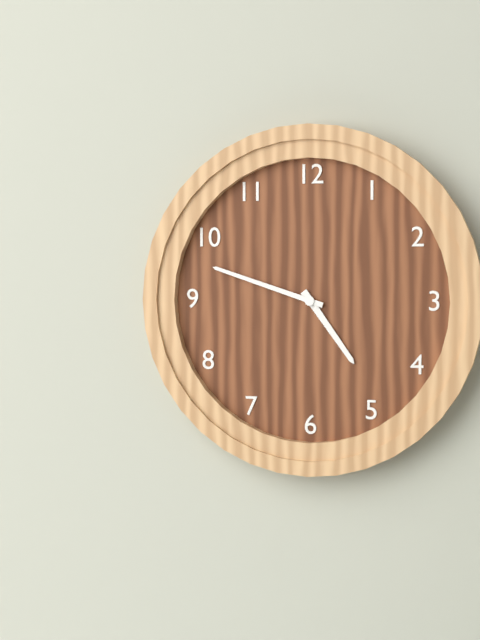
4:48
